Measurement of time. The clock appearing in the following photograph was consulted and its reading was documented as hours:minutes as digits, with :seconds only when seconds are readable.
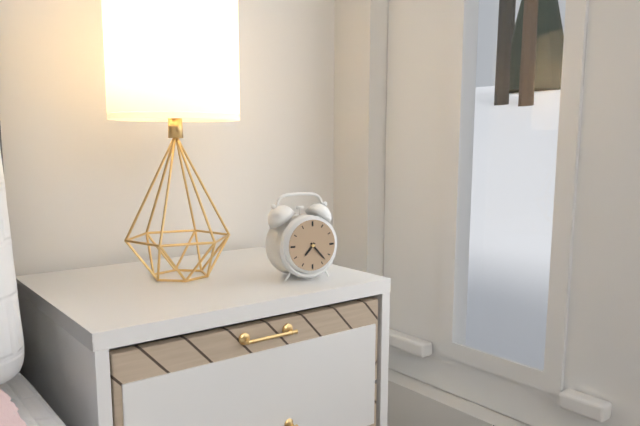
7:23
